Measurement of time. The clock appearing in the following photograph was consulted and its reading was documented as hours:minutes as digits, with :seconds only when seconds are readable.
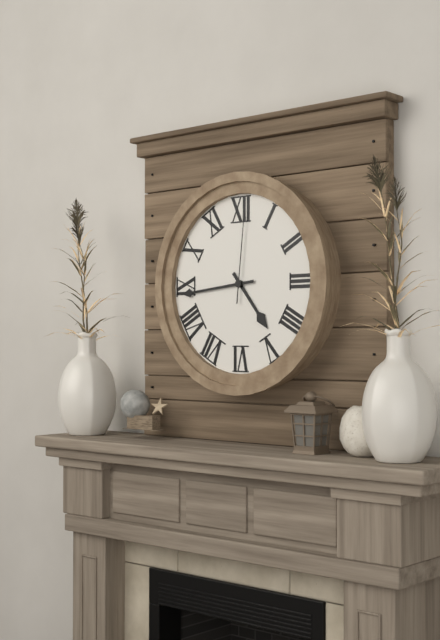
4:44:01
